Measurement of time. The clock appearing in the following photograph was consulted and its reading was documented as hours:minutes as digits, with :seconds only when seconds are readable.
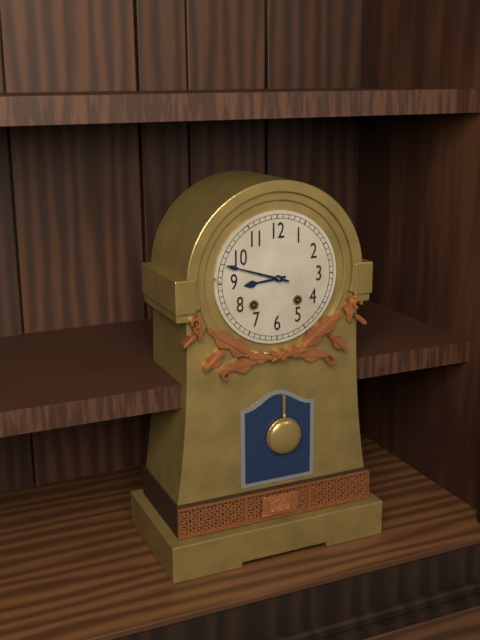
8:48
